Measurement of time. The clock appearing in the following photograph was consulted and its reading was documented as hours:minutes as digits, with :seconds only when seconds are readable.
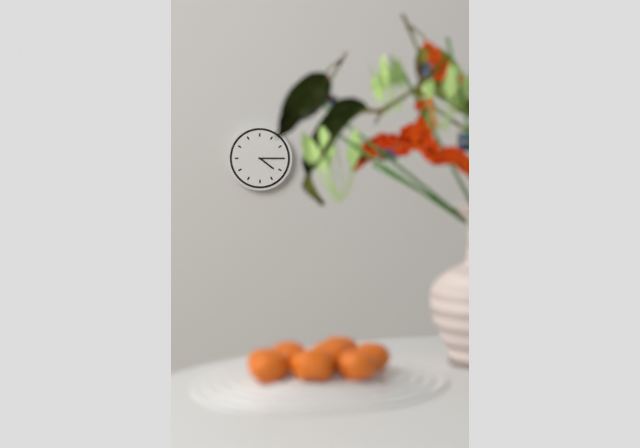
4:15
